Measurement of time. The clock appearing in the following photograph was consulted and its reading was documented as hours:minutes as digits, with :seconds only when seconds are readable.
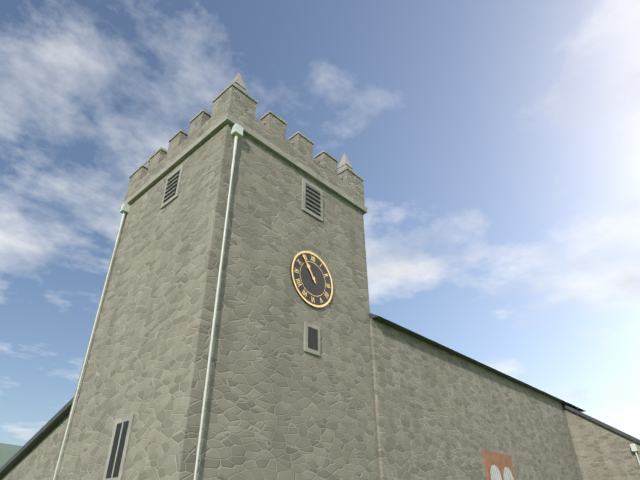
10:54
